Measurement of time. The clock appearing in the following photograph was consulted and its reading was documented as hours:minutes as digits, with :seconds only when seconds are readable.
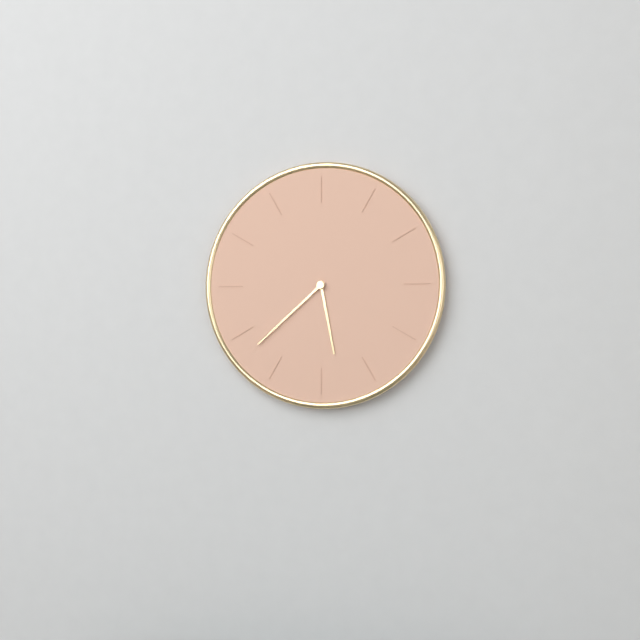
5:38
